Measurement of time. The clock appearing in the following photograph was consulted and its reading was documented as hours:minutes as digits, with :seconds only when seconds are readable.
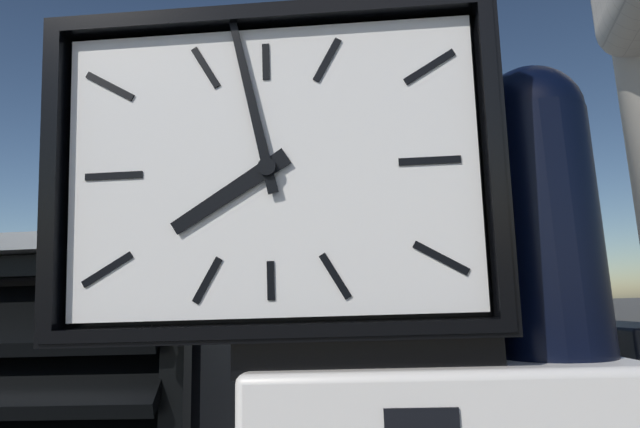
7:58
